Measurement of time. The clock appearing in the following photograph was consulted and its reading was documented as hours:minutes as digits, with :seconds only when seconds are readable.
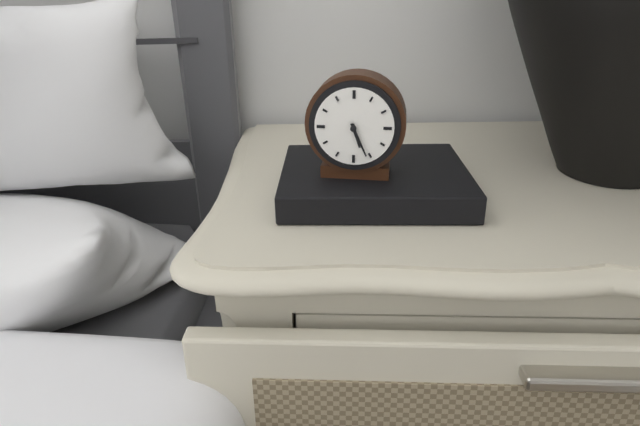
5:26
